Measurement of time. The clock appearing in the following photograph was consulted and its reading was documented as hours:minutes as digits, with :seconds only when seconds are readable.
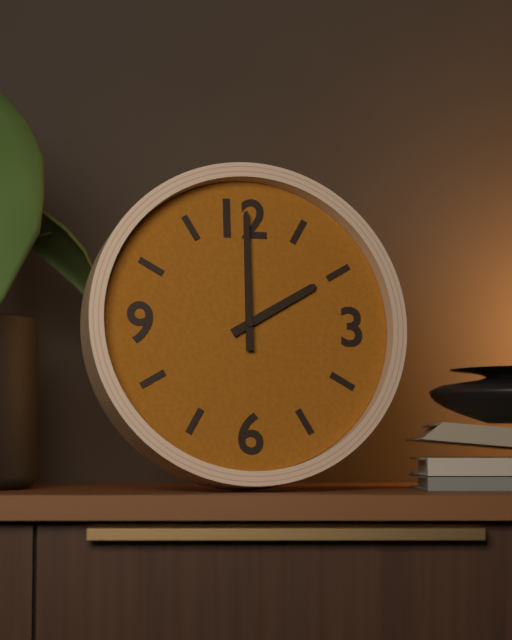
2:00
